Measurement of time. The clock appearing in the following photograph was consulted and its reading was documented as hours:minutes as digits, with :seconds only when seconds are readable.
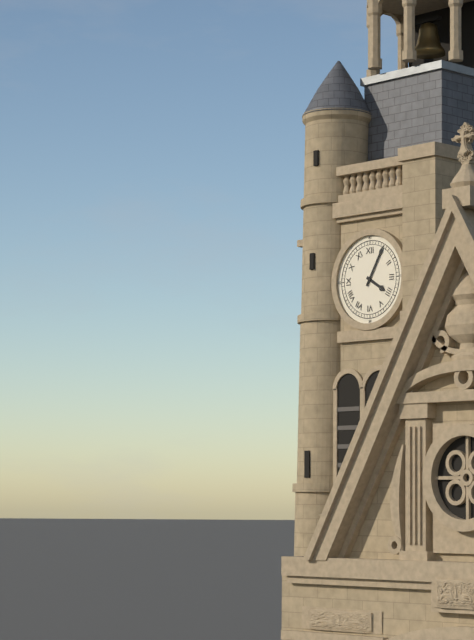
4:05
